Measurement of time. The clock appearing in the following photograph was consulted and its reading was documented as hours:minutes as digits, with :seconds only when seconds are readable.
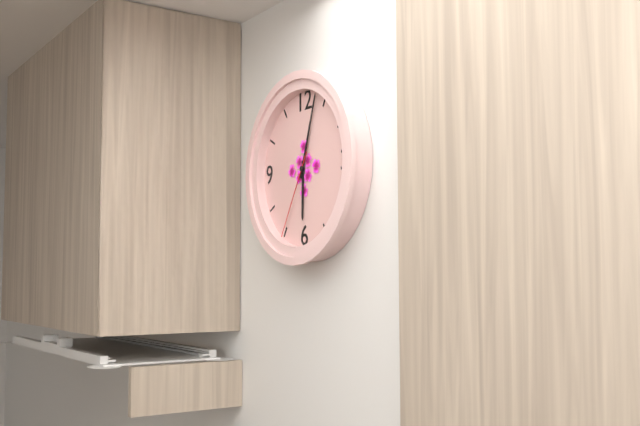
6:03:35
